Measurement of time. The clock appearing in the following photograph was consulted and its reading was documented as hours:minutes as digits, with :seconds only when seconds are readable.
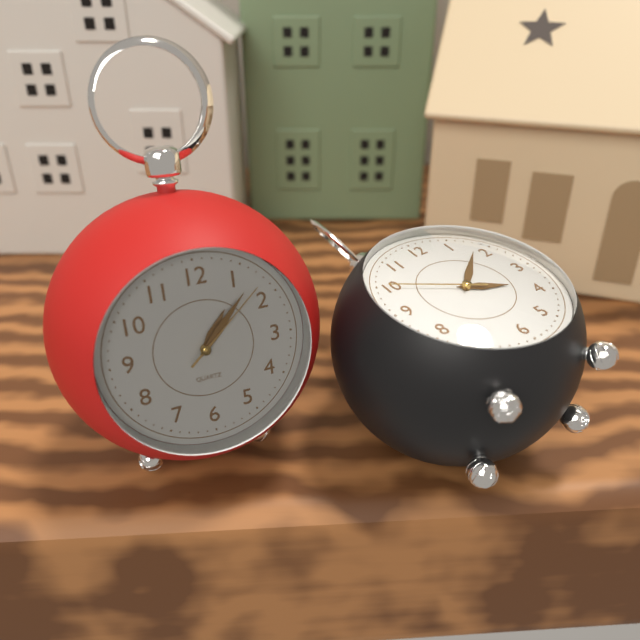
1:07:08
